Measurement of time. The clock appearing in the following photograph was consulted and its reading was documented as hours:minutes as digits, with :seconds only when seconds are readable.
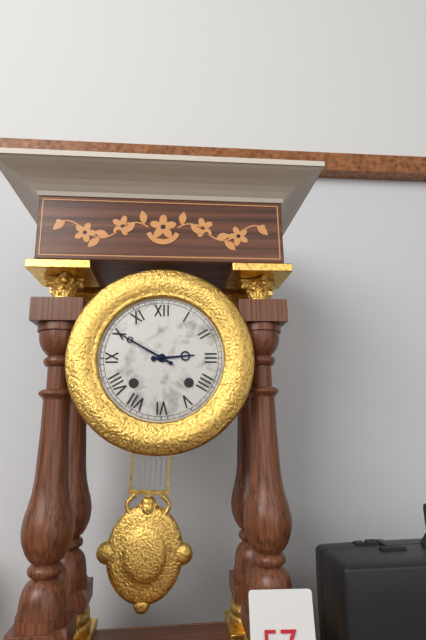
2:50
